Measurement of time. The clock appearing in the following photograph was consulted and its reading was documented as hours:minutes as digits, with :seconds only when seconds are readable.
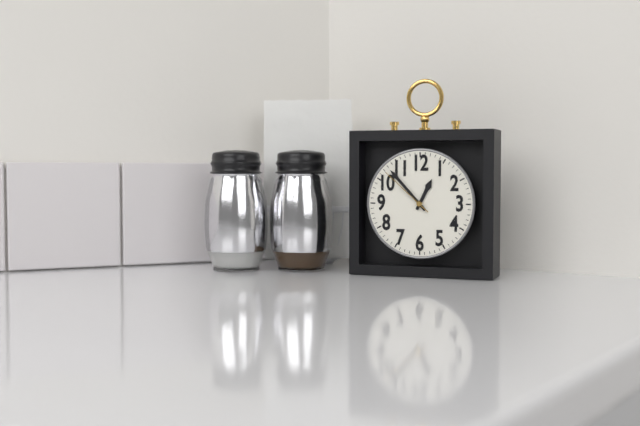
12:53:52
